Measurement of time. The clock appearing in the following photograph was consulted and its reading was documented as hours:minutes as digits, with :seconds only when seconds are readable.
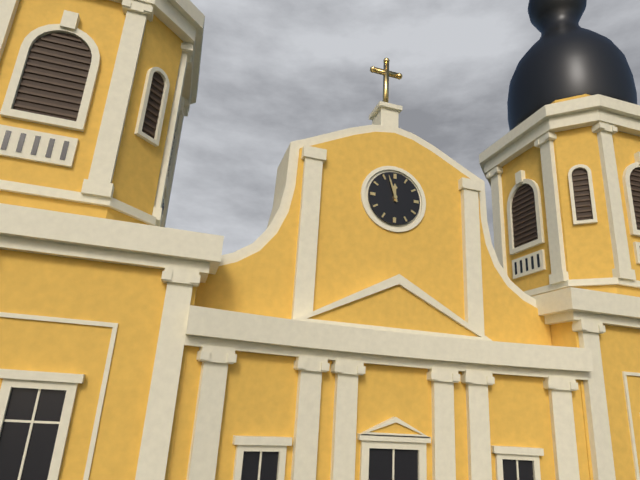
11:57
